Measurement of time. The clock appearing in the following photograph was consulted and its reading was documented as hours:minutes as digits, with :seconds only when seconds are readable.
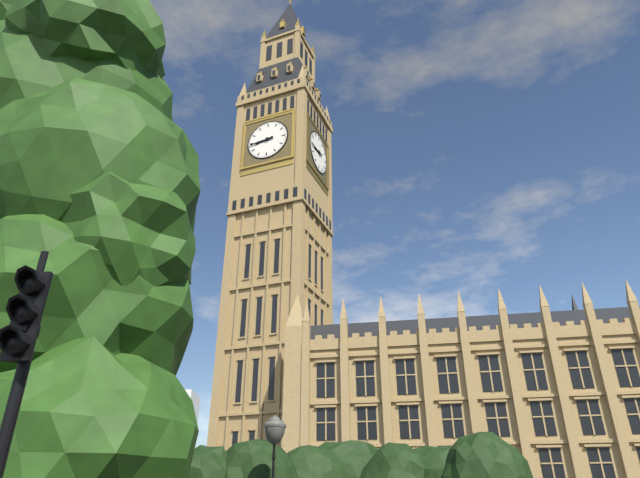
8:44
